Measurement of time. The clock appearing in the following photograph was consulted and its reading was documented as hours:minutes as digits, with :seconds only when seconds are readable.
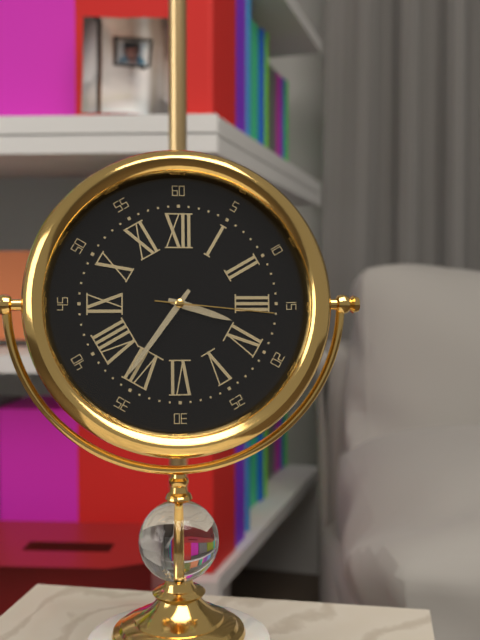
3:36:16
